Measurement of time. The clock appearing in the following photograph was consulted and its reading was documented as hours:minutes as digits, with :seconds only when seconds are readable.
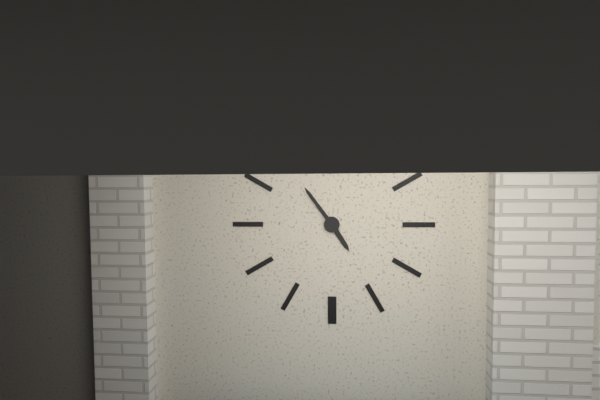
4:54
